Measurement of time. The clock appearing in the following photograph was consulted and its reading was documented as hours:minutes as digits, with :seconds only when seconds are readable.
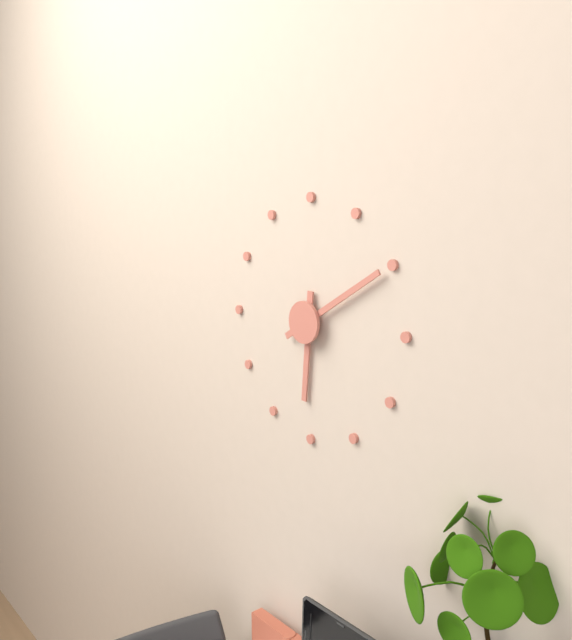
6:10
